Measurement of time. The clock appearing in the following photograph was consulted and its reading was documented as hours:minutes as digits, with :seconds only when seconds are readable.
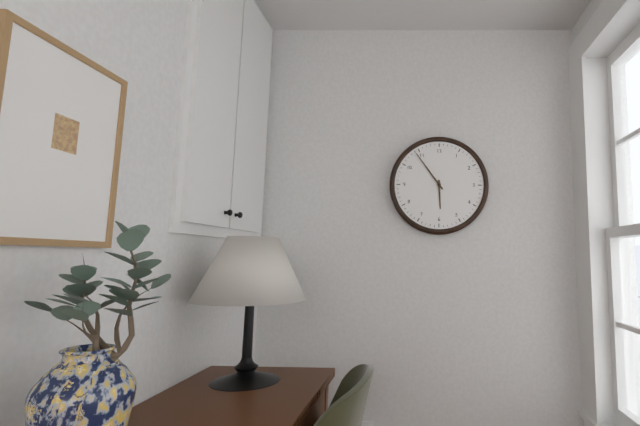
5:54
